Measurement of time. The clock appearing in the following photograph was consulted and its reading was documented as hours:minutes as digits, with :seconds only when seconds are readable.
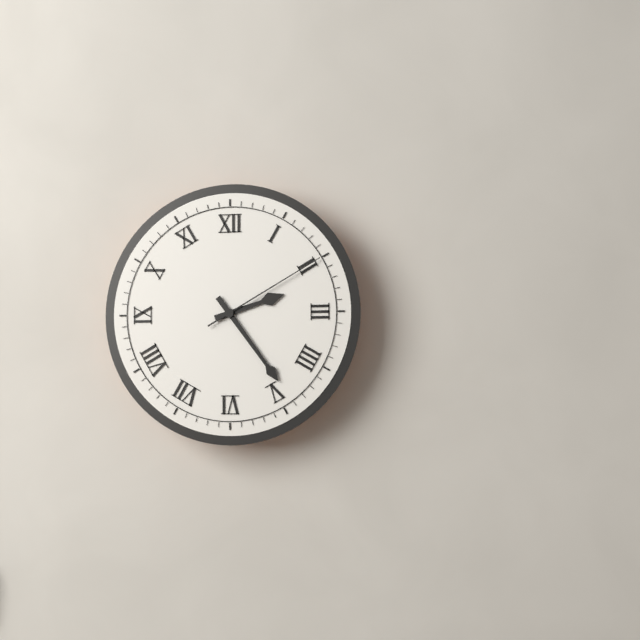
2:24:10
